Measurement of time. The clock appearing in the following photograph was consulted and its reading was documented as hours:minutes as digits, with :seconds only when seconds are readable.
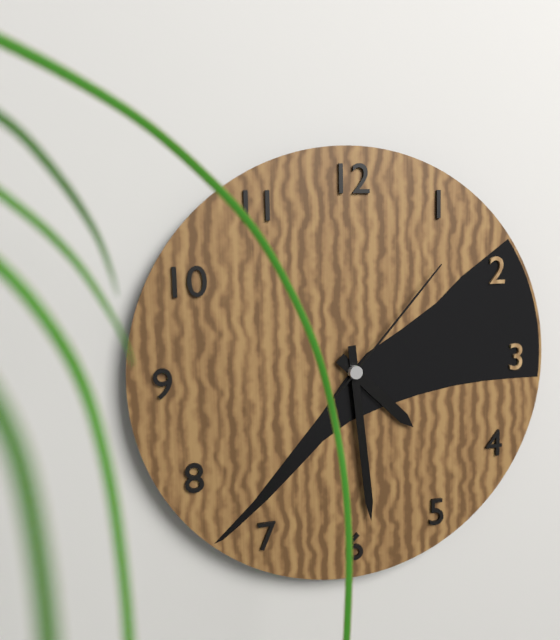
4:29:07
